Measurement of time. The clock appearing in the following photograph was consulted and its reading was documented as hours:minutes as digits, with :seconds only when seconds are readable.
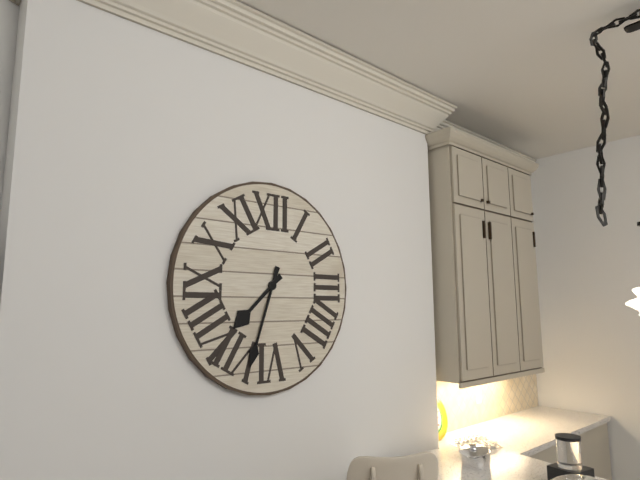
7:33
